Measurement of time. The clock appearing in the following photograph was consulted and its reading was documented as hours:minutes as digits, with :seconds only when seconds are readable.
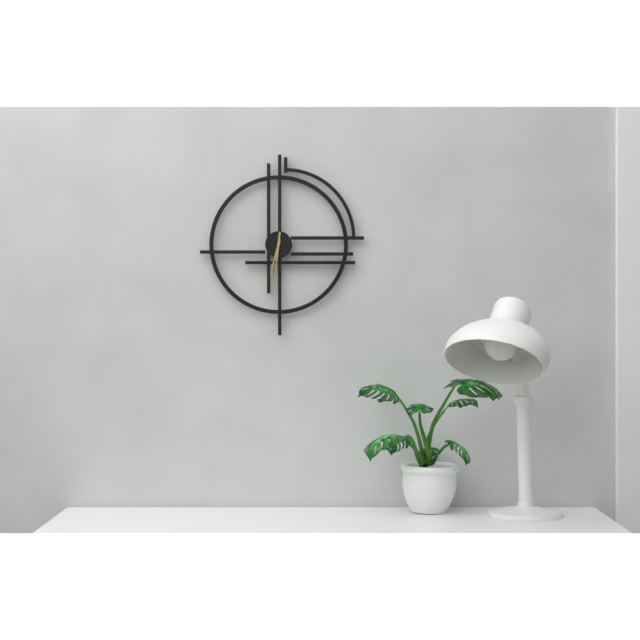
6:31
